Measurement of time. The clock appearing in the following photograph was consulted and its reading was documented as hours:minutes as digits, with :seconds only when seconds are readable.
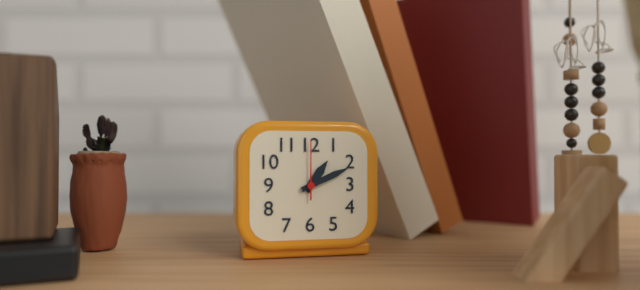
1:11:00
